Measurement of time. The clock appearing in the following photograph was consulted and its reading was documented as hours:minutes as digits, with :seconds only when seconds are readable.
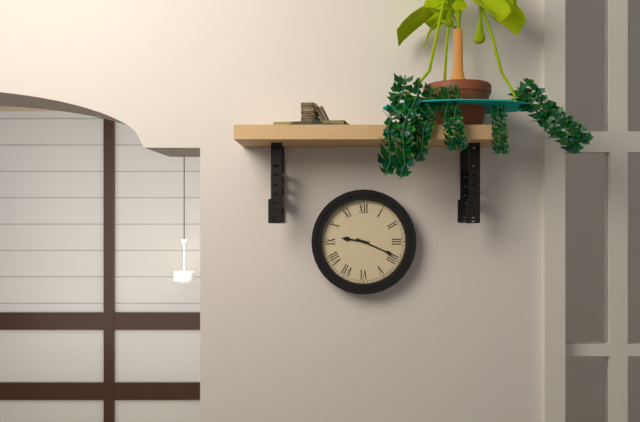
9:19
